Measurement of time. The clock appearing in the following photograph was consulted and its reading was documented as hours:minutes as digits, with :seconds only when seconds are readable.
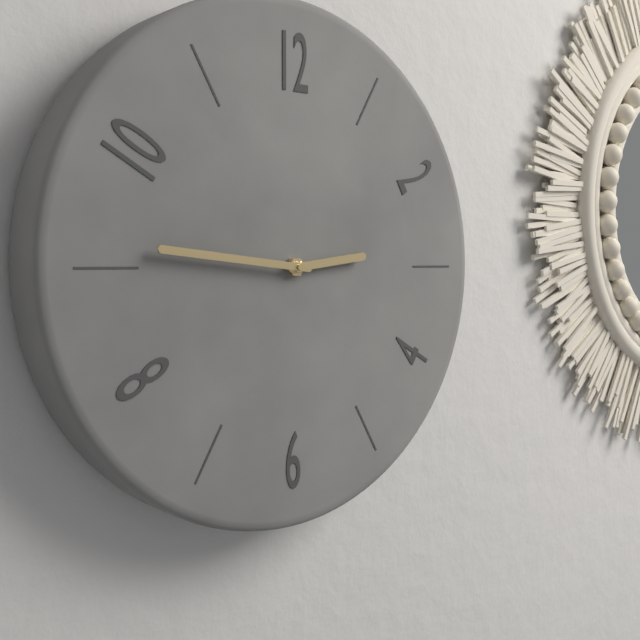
2:46
